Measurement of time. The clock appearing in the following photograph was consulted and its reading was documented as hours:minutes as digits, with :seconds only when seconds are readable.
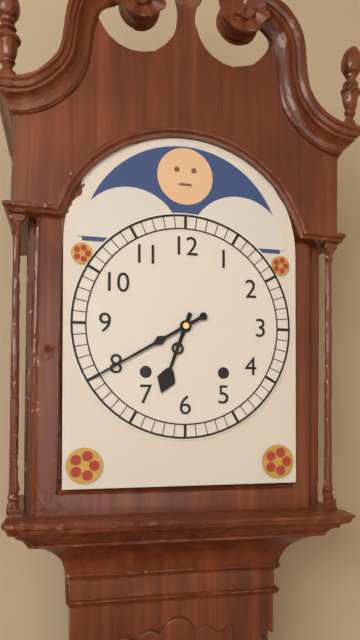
6:40
